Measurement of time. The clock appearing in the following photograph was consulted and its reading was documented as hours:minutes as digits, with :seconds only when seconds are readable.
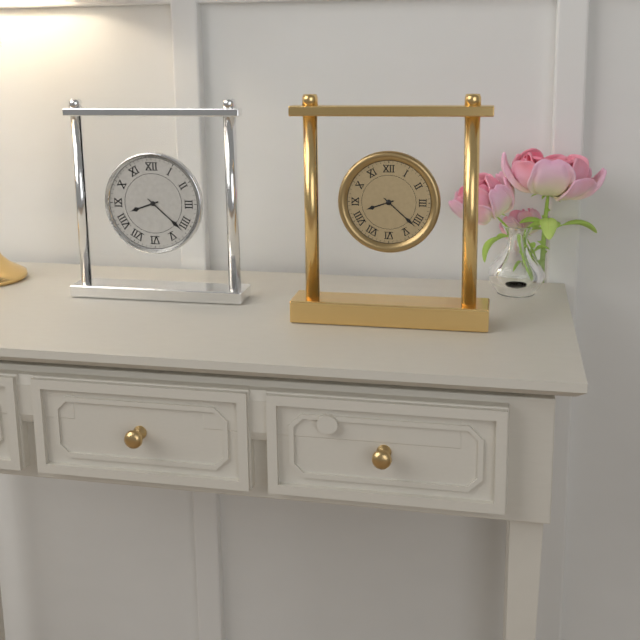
8:22
